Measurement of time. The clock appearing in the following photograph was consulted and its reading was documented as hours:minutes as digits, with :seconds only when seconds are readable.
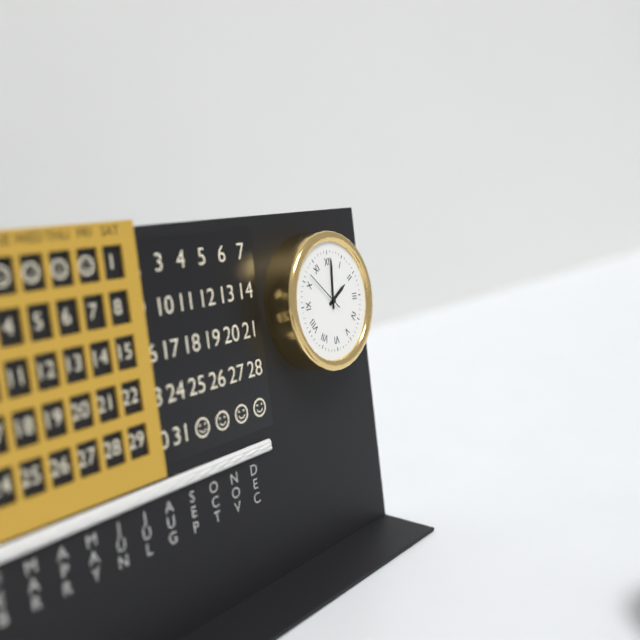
2:01
